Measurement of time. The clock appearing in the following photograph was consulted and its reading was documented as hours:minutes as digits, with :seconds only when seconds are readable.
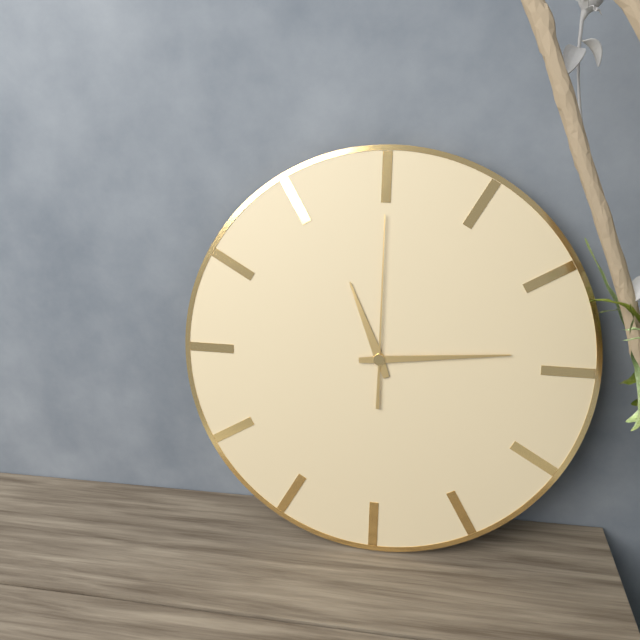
11:14:00
